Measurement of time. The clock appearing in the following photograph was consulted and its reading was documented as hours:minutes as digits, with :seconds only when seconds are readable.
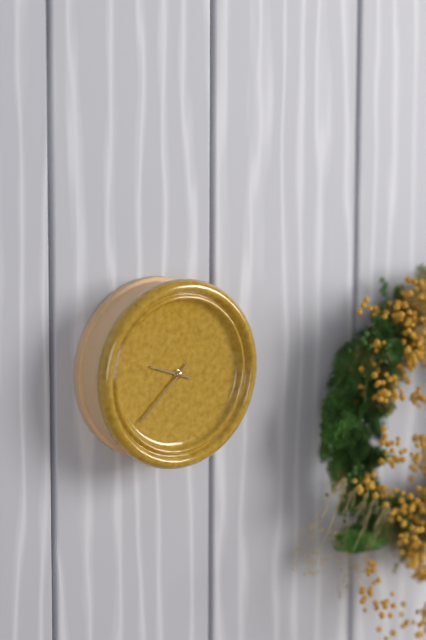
9:38
